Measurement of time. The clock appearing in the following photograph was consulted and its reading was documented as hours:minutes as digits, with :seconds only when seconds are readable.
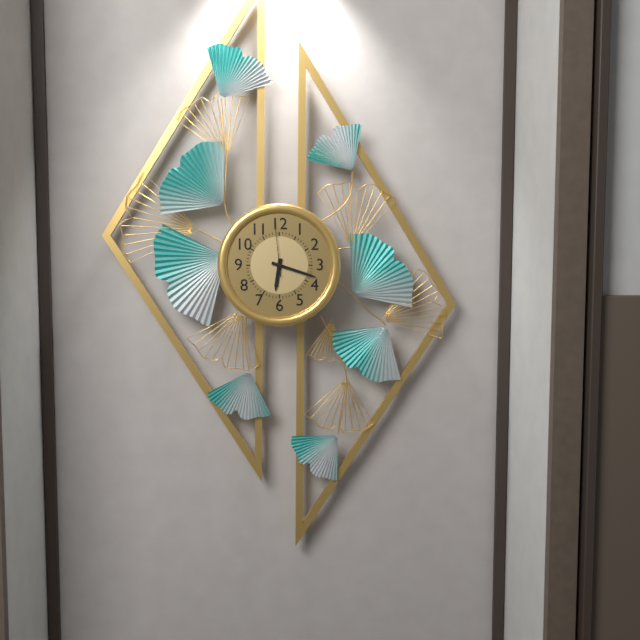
6:18:59
